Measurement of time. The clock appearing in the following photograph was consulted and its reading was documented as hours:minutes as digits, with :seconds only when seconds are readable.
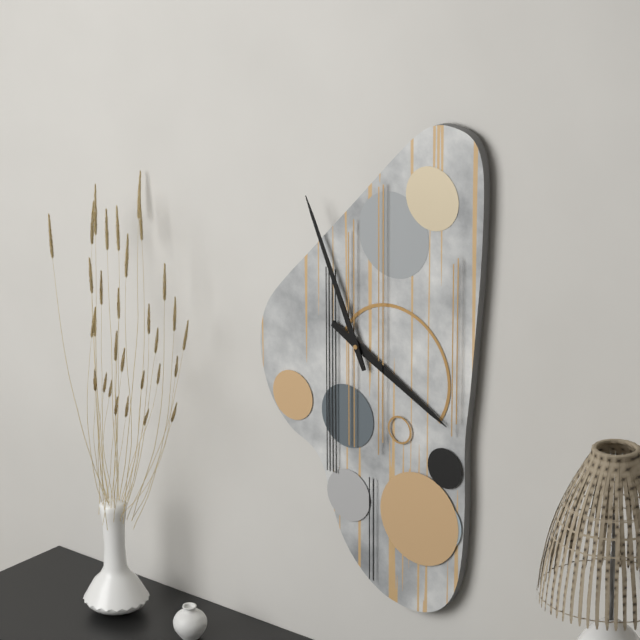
3:56
